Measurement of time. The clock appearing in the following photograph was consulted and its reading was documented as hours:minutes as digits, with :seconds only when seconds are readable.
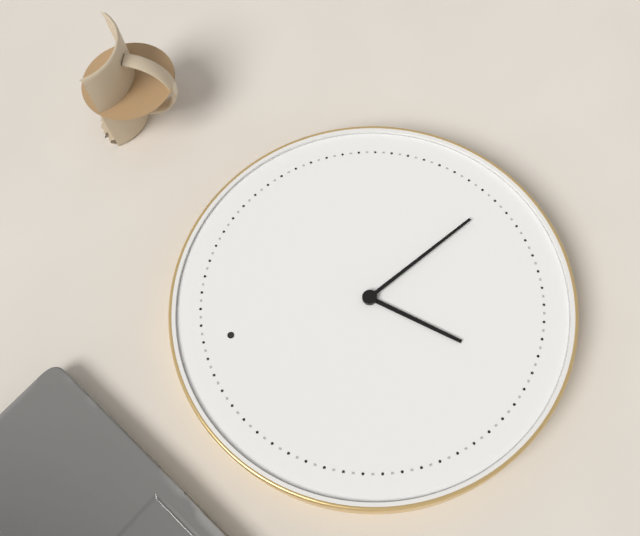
7:26
